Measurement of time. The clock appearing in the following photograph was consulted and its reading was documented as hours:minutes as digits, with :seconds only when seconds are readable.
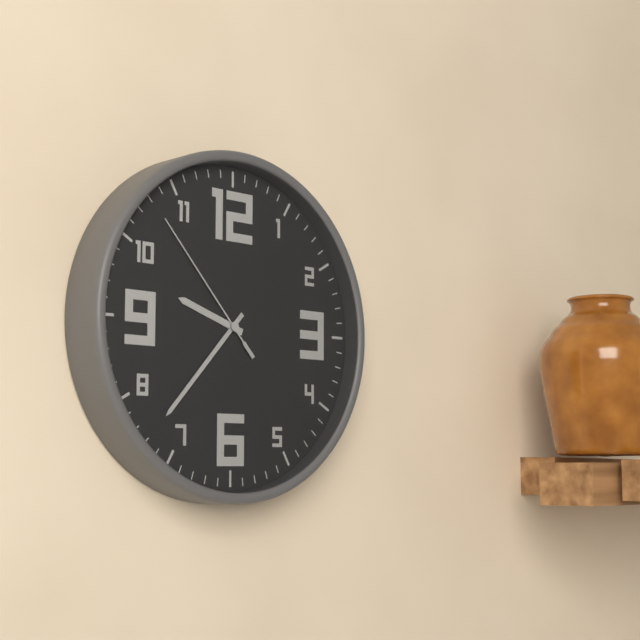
9:37:53
